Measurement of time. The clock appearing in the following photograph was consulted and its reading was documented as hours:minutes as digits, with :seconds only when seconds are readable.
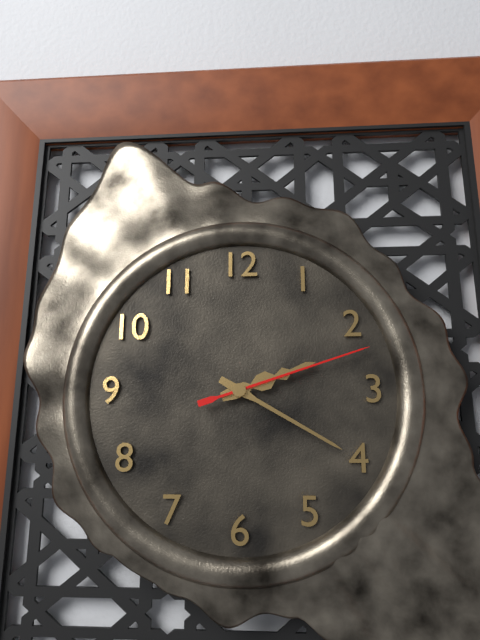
2:20:12
